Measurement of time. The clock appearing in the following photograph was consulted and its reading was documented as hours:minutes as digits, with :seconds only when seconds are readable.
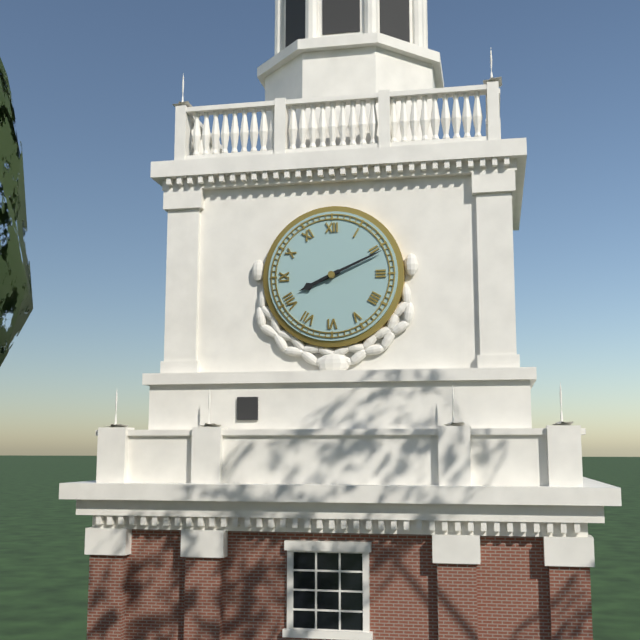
8:11
